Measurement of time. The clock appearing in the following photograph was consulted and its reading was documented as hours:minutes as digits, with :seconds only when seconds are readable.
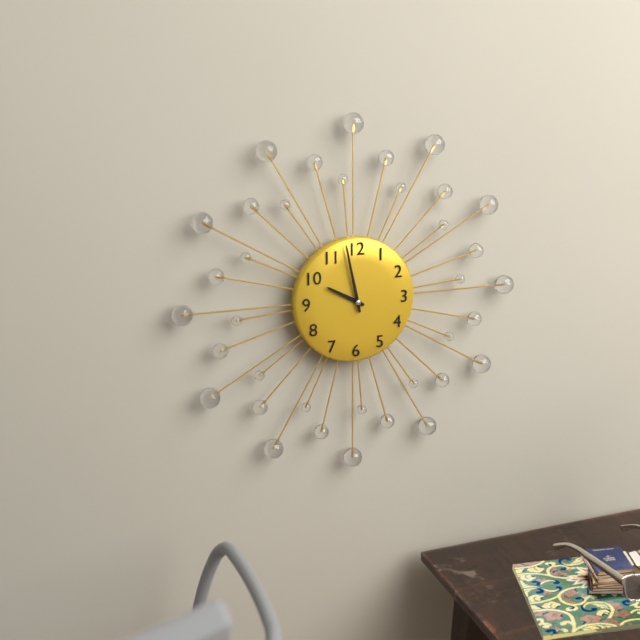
9:58
